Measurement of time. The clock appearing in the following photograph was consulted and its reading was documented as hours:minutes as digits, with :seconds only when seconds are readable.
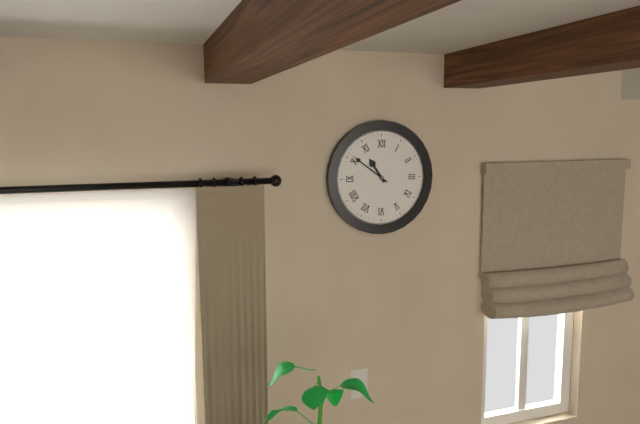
10:51
